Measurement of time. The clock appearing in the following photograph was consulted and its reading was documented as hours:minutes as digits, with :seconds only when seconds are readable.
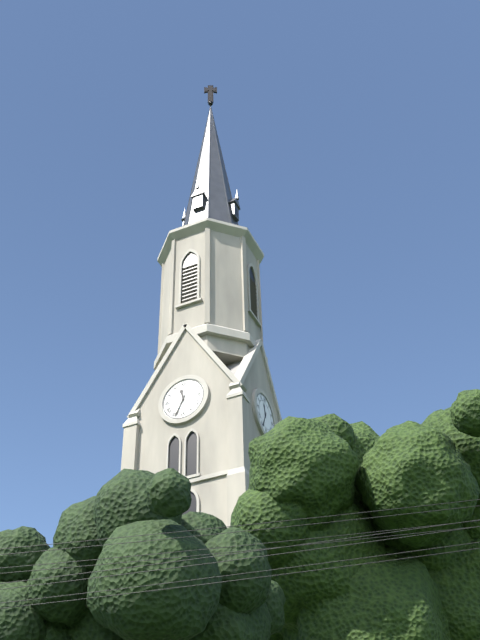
11:34
